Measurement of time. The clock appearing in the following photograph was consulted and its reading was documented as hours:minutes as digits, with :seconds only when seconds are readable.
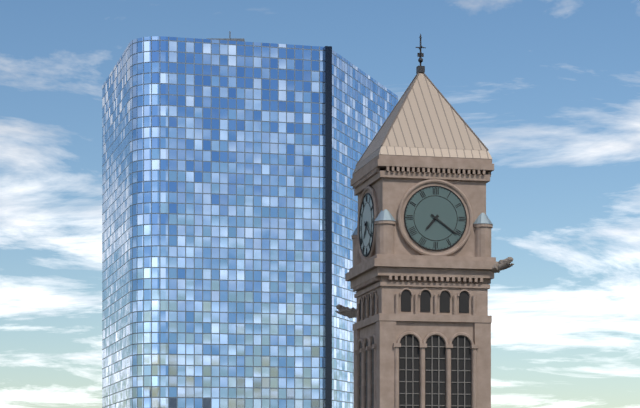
7:21
